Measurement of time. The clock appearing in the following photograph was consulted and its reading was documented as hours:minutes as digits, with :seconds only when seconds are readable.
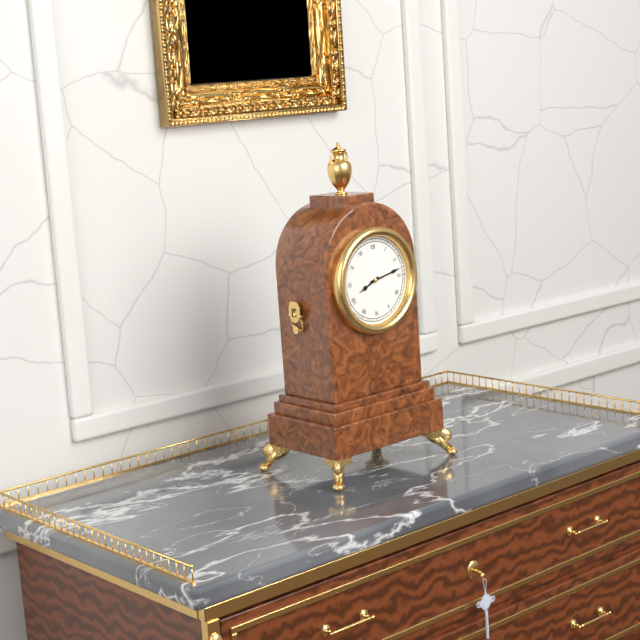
8:13
